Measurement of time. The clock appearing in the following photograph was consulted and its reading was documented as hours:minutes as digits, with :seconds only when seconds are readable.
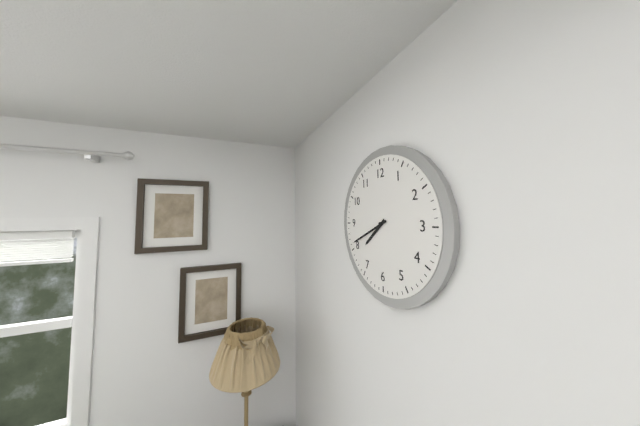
7:41
